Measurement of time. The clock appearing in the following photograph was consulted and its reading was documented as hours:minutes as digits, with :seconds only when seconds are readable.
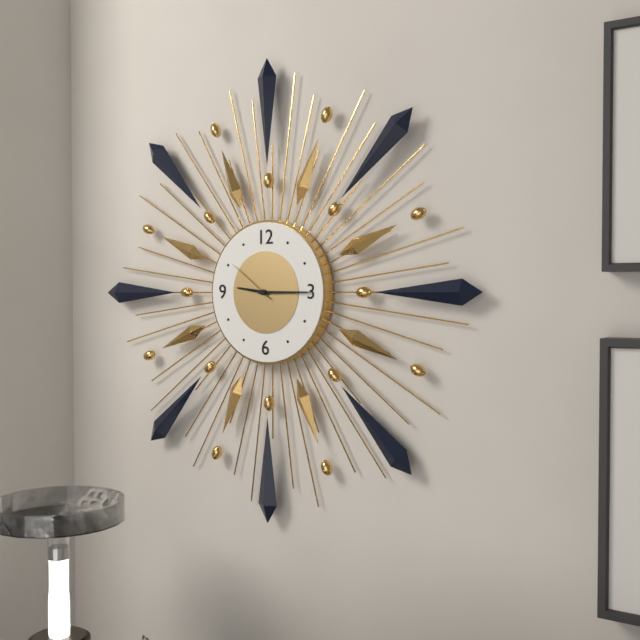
9:15:51
